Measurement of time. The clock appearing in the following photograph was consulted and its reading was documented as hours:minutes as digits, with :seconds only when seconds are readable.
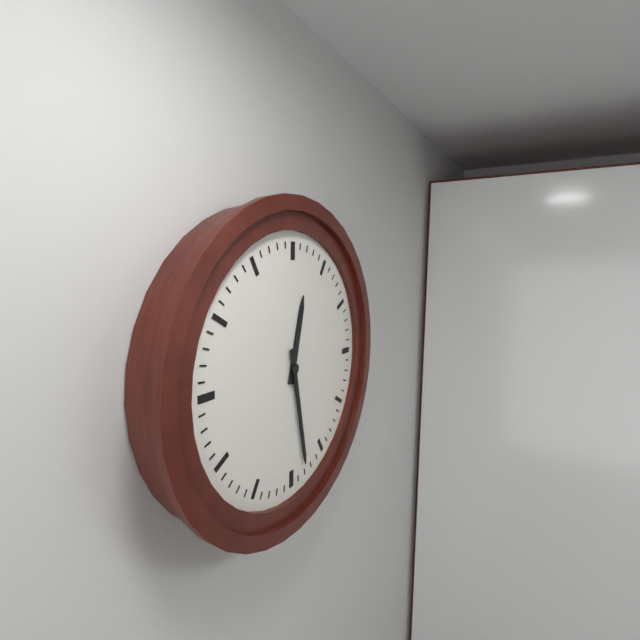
12:28
